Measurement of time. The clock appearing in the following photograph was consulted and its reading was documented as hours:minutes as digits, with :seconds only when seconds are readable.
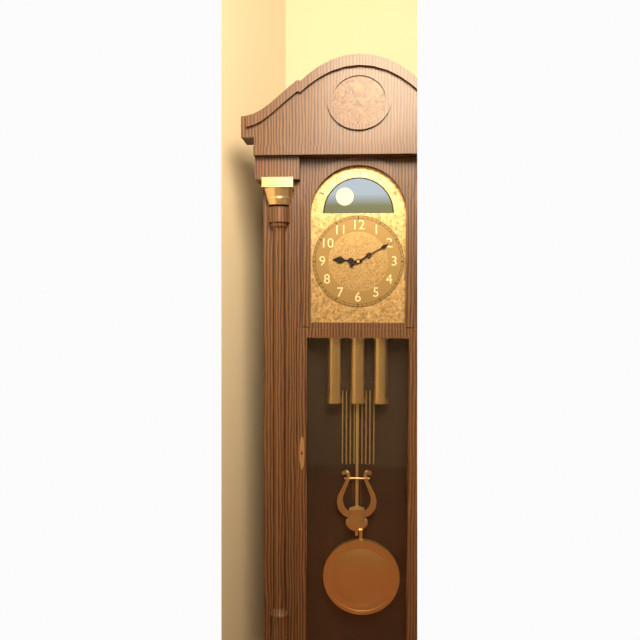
9:10
